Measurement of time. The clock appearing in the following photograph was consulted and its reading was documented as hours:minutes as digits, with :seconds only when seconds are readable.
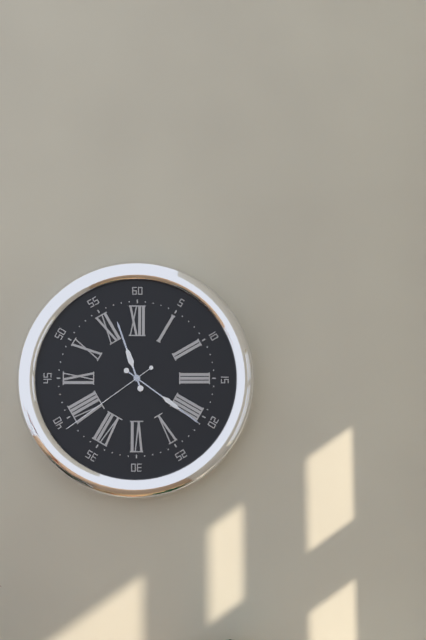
11:21:39
